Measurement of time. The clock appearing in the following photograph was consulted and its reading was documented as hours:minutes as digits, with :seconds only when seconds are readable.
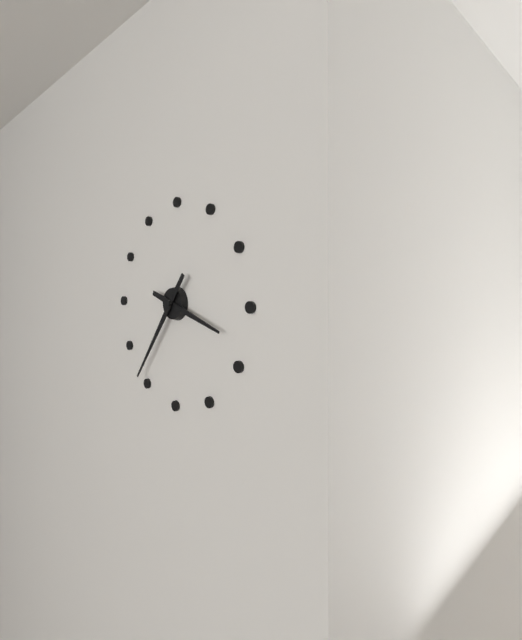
3:36
